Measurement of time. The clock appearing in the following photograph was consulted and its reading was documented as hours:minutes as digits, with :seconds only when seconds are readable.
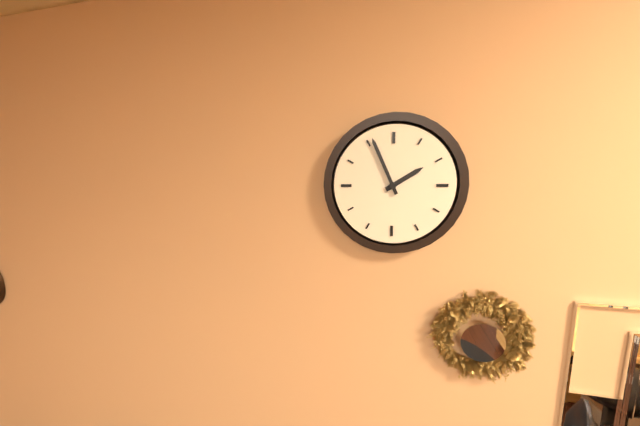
1:56
